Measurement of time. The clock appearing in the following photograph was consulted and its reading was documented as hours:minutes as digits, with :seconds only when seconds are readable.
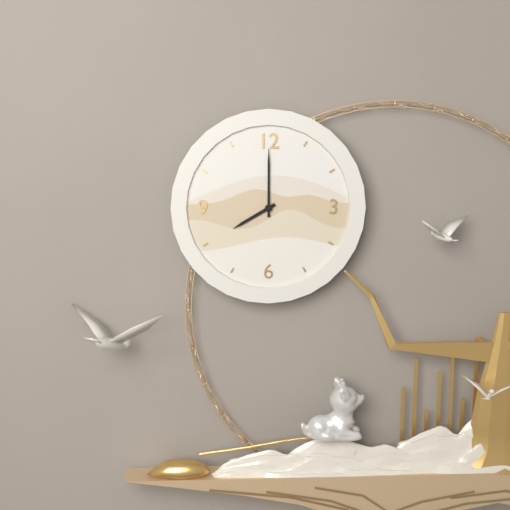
8:00
